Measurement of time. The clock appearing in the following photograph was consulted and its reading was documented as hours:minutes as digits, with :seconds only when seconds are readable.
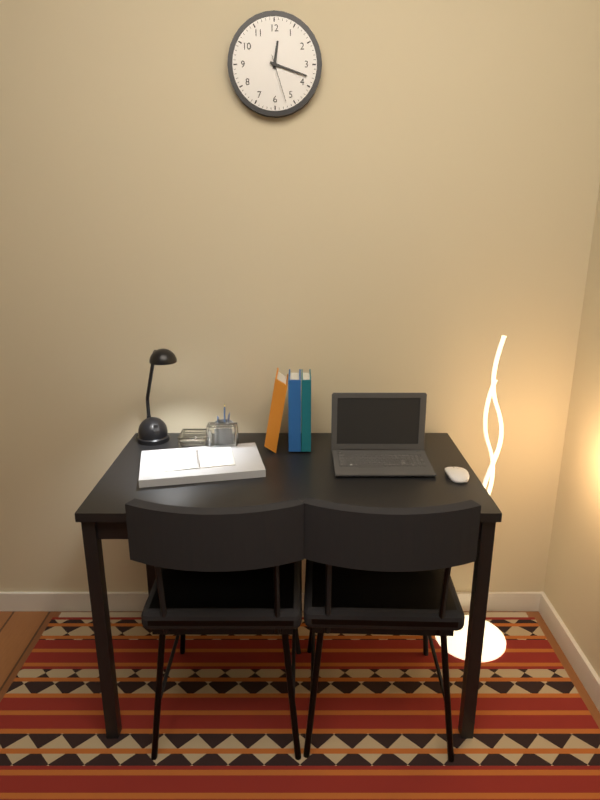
12:18:27
